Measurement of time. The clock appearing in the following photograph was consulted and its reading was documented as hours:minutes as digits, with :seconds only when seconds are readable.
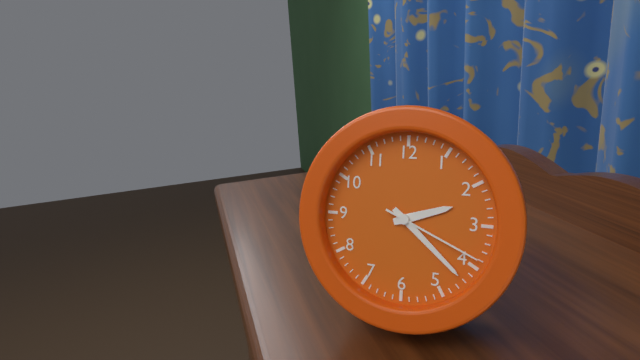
2:22:19
